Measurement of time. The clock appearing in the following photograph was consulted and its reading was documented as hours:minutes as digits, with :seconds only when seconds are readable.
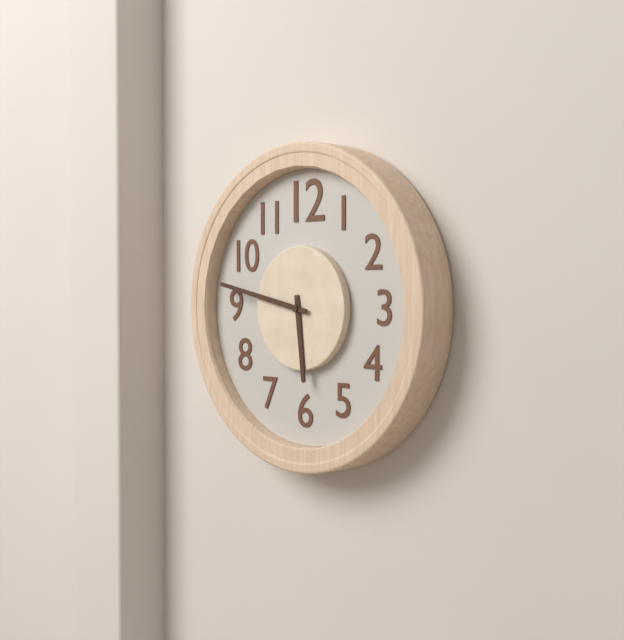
5:47
